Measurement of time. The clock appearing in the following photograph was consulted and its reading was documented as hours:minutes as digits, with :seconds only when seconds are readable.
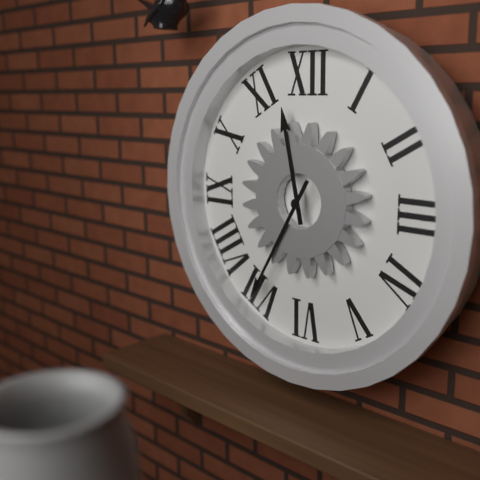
11:35
